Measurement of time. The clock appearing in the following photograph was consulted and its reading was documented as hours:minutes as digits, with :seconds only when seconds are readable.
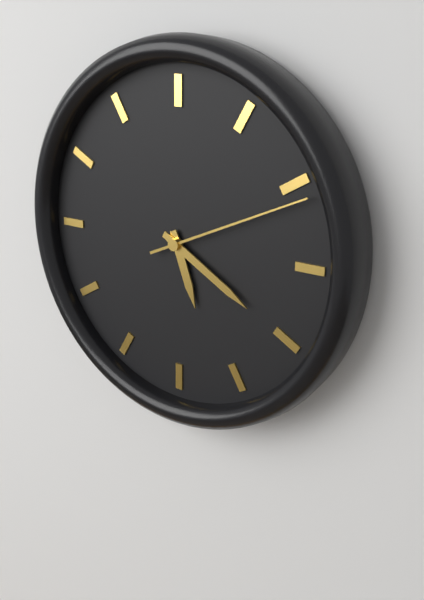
5:20:11
